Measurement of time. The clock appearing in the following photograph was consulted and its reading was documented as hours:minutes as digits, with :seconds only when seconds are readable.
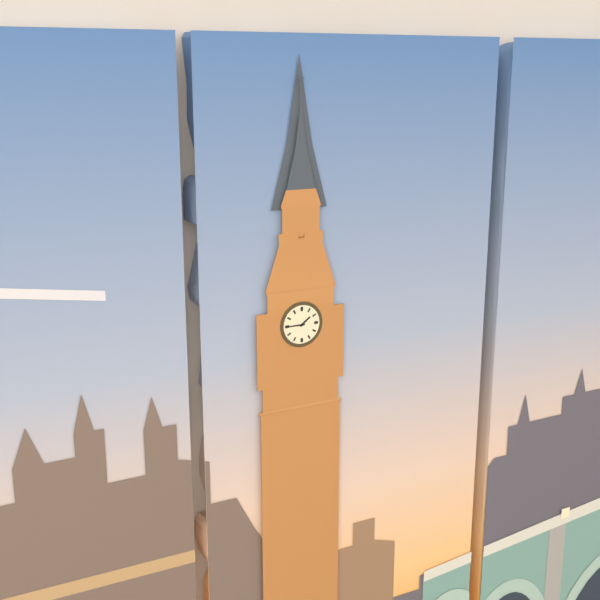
1:45
